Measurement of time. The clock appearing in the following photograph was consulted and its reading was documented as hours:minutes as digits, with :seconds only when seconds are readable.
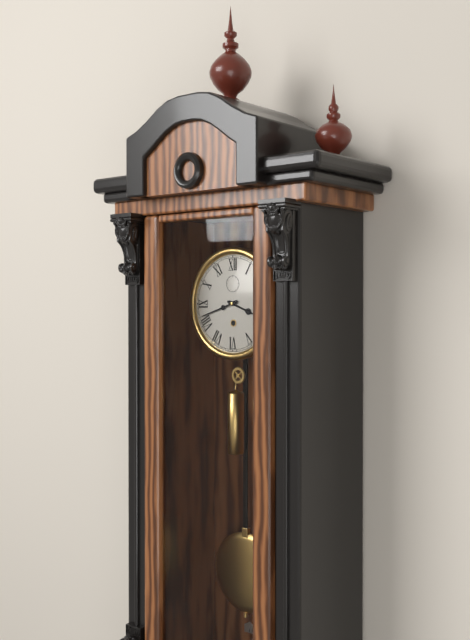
3:42
